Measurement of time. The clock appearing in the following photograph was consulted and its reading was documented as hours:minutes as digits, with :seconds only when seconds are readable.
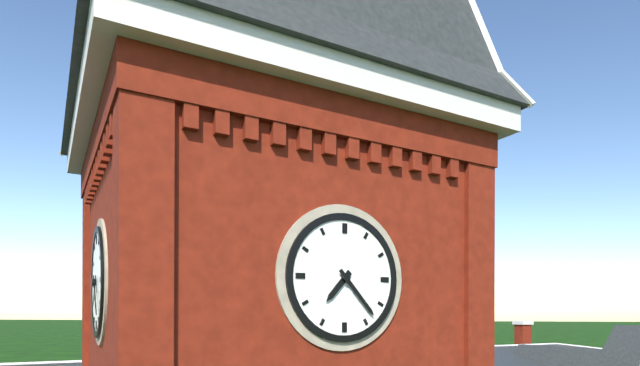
7:23
